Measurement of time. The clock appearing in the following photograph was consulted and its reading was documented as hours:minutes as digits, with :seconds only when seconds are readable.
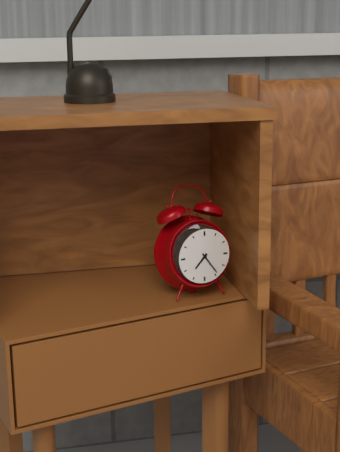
7:24
